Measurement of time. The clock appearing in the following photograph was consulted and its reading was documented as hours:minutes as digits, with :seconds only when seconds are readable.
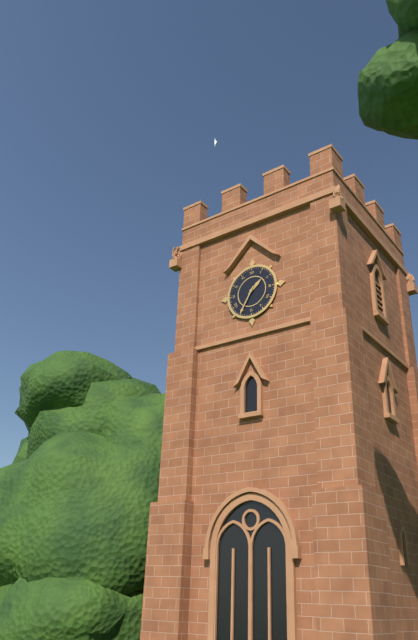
1:35
